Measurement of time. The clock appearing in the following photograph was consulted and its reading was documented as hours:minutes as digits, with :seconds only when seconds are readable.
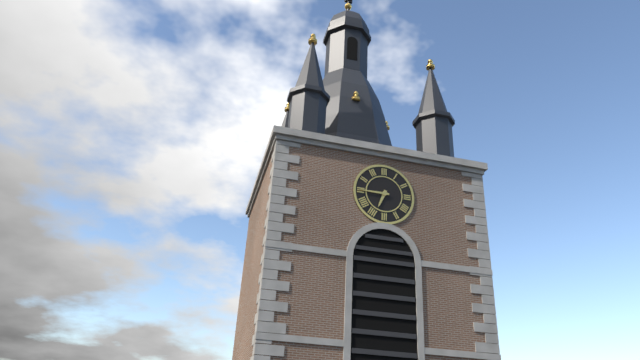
6:45
